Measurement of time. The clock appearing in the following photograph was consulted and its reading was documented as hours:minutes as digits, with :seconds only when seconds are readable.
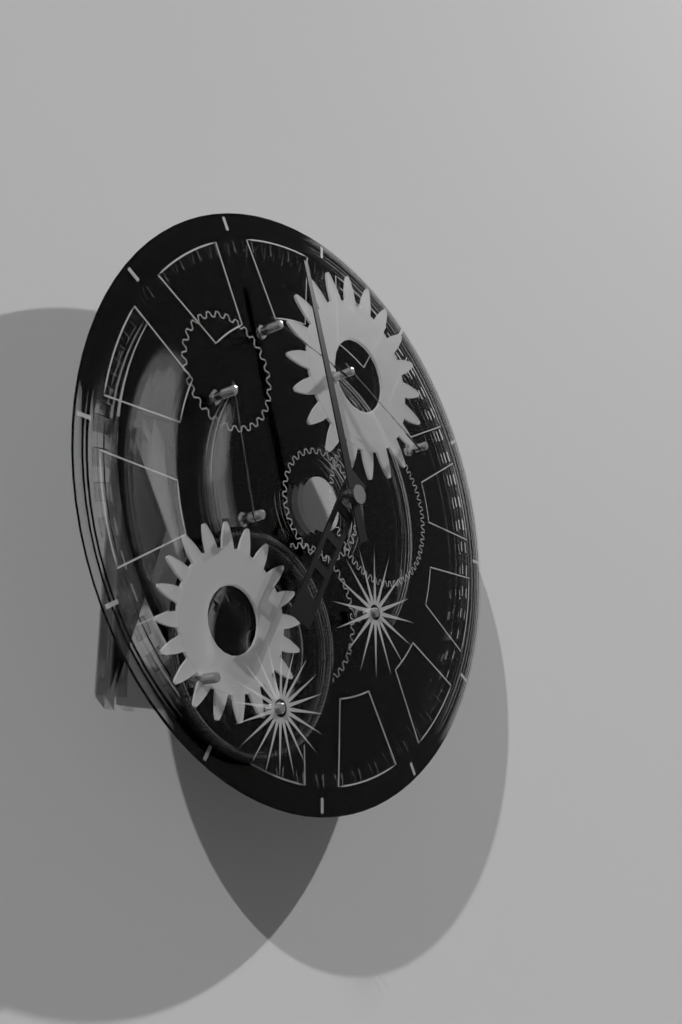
6:57
